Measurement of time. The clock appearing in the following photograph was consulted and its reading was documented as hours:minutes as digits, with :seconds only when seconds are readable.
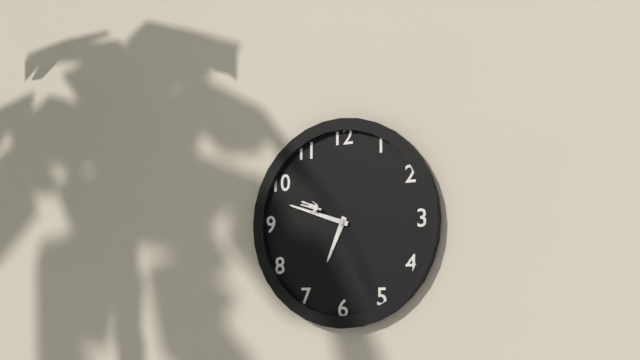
6:48
